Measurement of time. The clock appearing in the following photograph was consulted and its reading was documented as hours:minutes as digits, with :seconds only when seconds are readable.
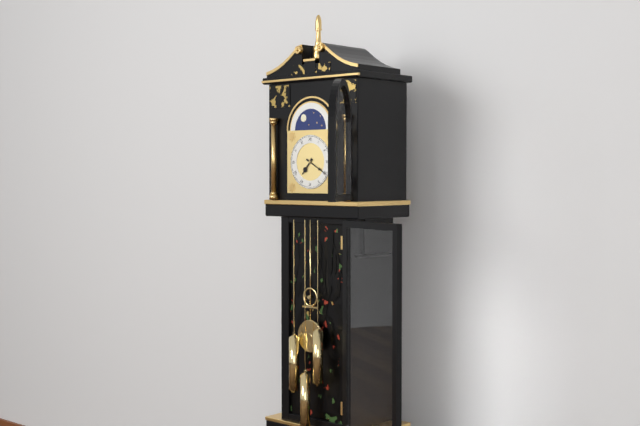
7:20
